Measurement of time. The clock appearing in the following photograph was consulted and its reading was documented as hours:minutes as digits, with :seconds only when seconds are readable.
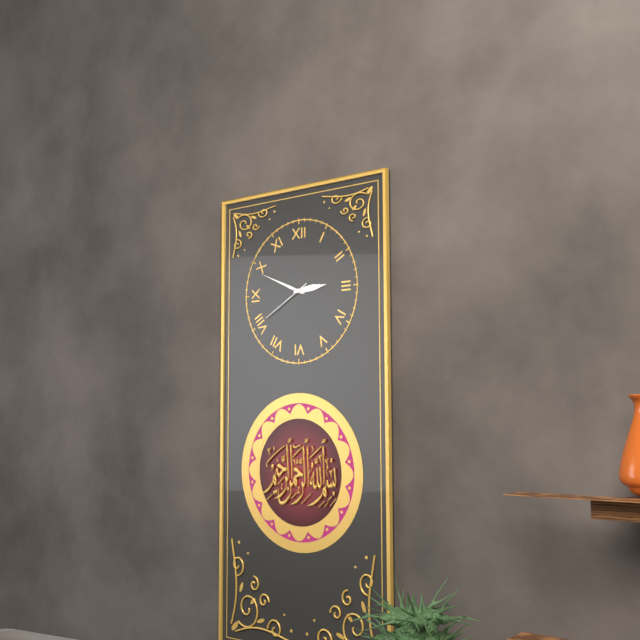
2:49:40
